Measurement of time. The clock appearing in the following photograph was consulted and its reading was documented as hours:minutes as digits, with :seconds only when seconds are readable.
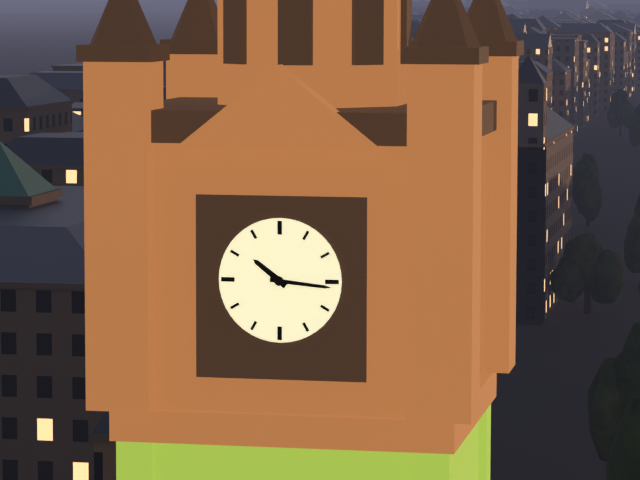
10:16
